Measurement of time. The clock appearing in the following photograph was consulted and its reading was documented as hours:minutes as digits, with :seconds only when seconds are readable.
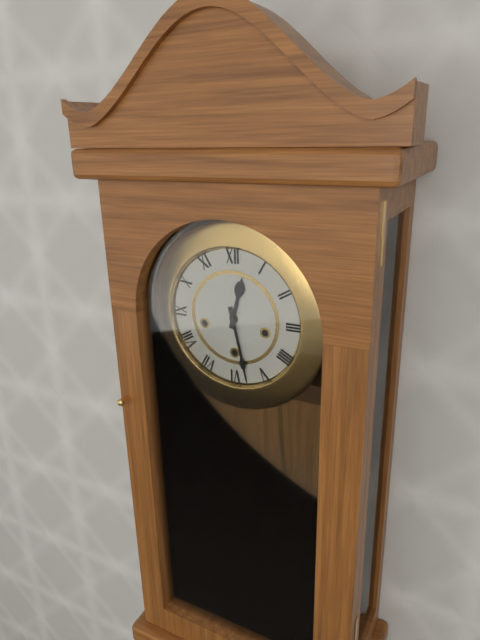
12:28
